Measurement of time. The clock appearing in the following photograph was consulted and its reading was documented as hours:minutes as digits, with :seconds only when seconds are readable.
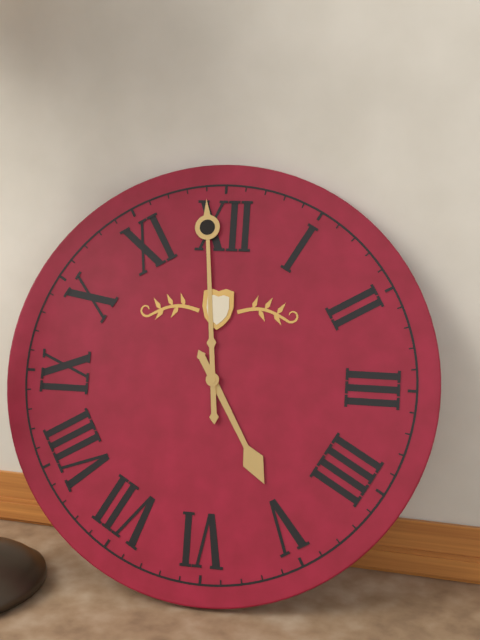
4:59
